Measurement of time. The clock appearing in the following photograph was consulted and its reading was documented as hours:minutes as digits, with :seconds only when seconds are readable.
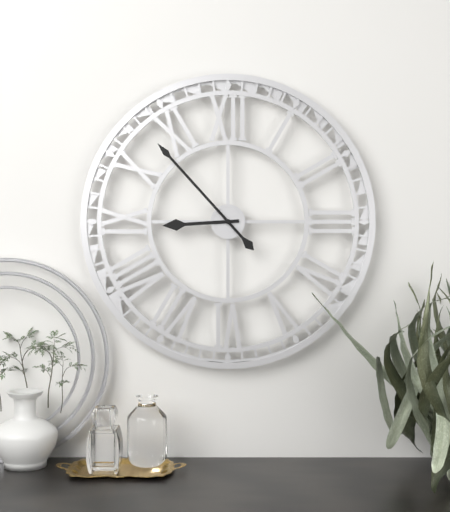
8:53
